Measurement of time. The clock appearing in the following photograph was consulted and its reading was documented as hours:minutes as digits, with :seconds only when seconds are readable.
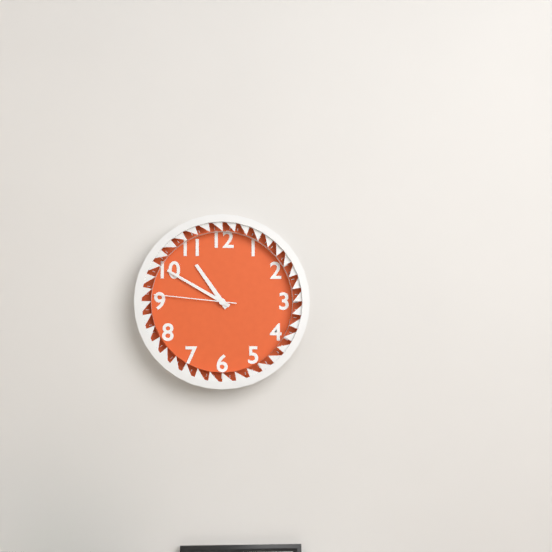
10:50:46
